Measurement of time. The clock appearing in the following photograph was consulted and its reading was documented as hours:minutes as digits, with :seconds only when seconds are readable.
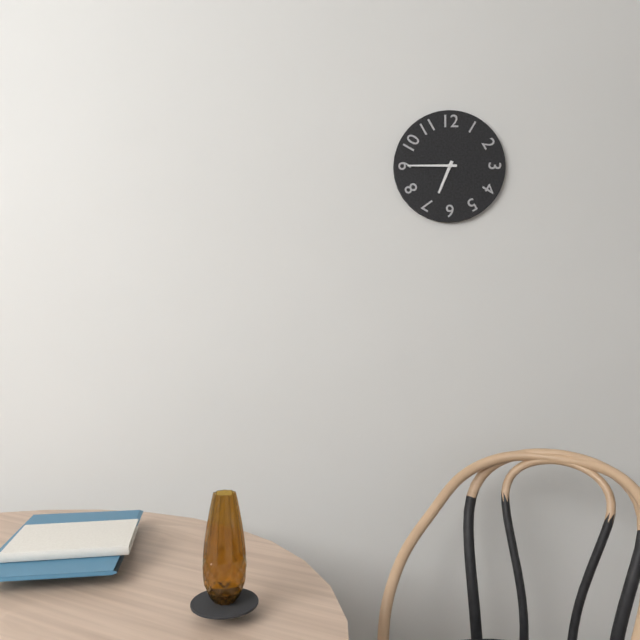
6:45
